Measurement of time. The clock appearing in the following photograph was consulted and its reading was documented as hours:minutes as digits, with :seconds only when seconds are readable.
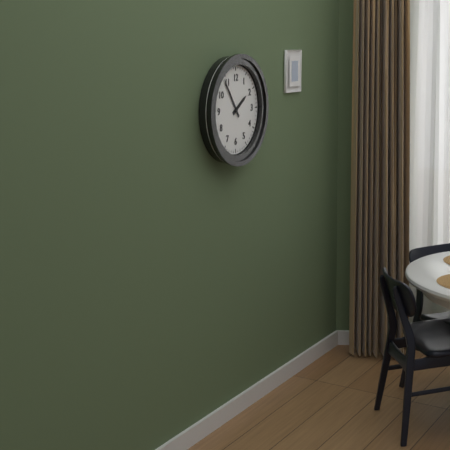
1:54
